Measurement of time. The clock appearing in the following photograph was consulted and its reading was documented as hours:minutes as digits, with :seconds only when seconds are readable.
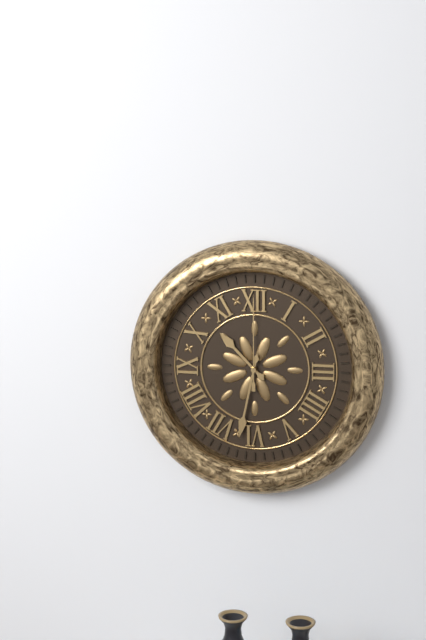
10:32:00
